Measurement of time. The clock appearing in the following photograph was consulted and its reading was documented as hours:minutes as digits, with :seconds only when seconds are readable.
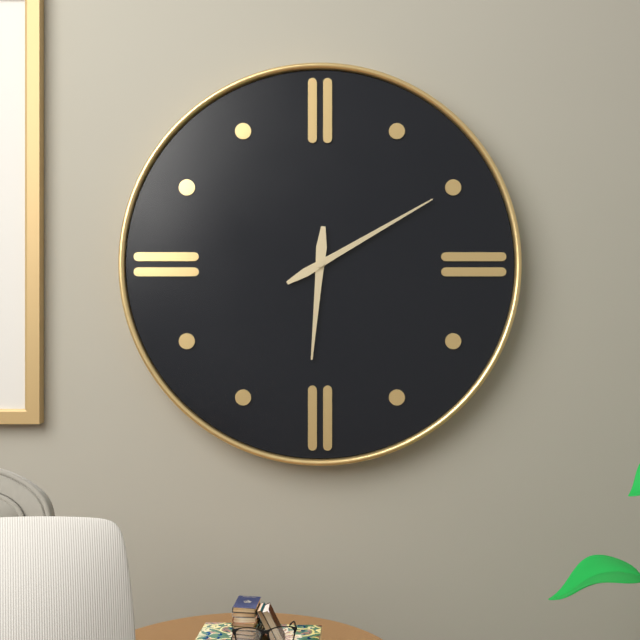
6:10
